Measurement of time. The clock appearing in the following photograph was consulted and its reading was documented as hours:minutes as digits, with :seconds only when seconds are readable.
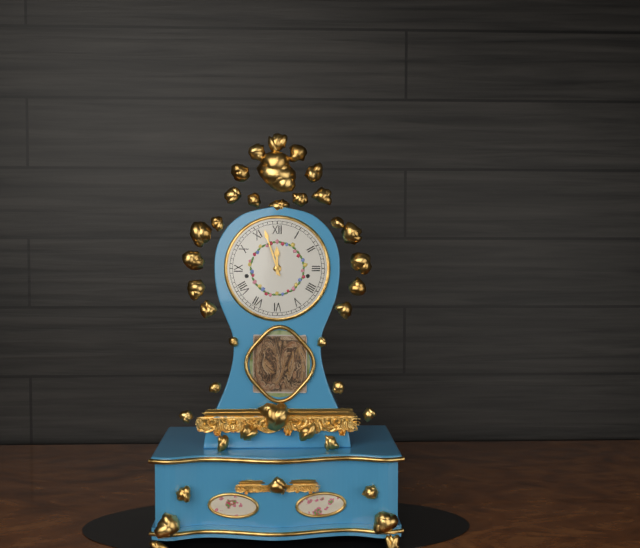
11:57
